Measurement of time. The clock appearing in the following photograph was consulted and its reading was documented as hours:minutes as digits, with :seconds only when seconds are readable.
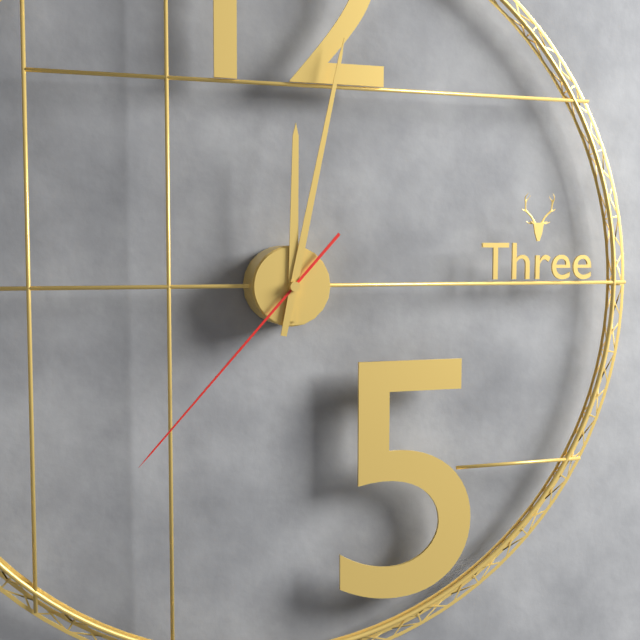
12:02:37
